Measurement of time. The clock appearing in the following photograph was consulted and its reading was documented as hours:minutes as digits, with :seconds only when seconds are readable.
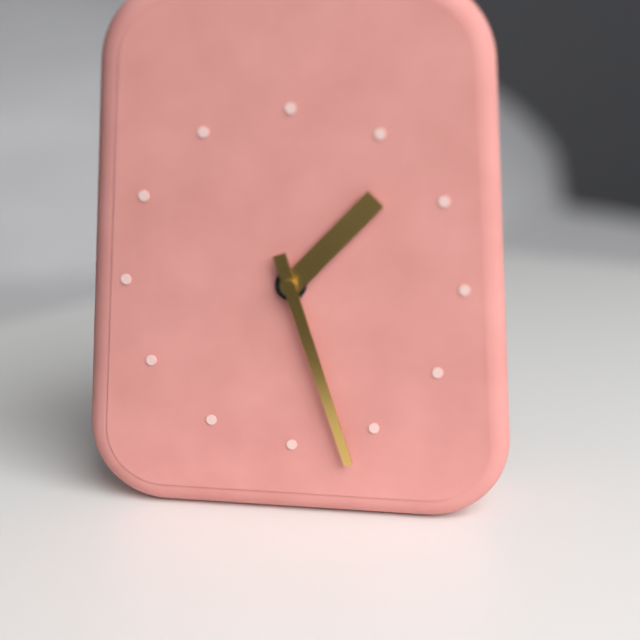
1:27
